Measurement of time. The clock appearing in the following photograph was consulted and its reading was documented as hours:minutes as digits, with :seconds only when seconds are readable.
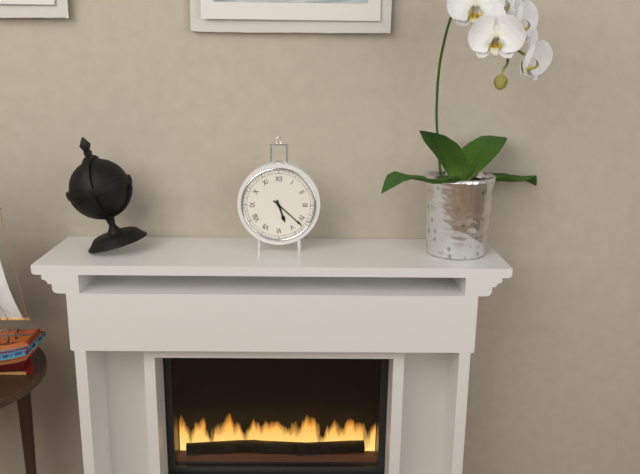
5:22
